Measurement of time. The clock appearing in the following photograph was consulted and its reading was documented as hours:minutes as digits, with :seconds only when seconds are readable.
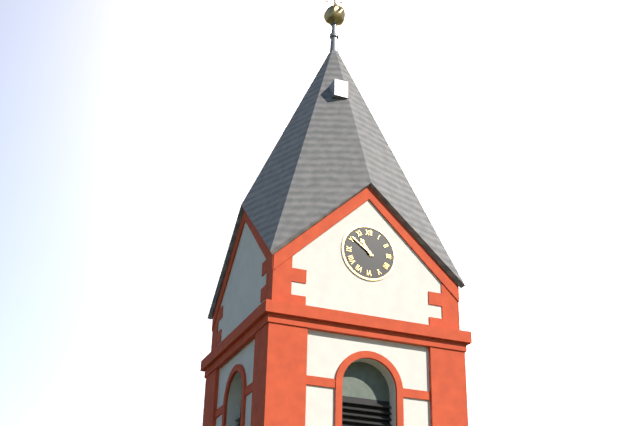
10:51
